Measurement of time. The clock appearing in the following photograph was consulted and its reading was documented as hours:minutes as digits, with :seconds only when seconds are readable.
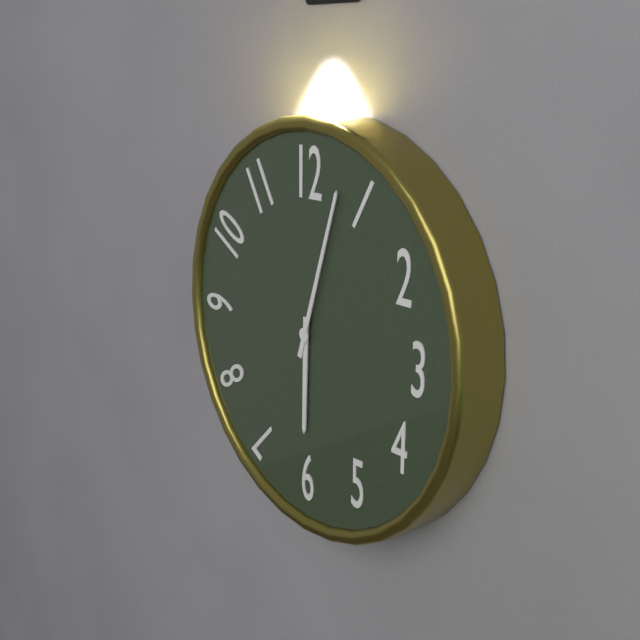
6:03
